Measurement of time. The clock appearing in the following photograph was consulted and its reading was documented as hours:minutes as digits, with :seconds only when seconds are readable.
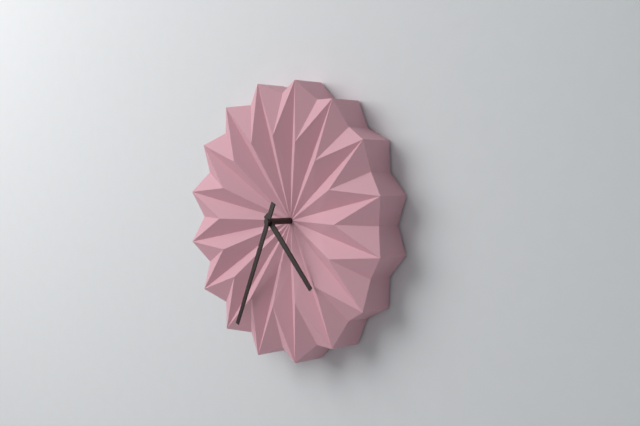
4:34
